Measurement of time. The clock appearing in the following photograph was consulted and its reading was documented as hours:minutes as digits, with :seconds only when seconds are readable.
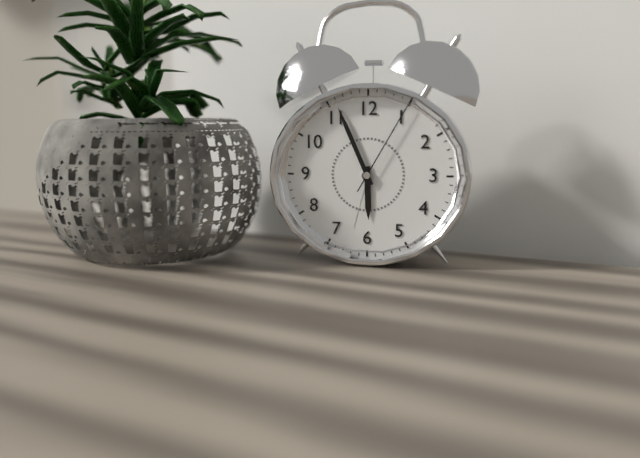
5:56:05
